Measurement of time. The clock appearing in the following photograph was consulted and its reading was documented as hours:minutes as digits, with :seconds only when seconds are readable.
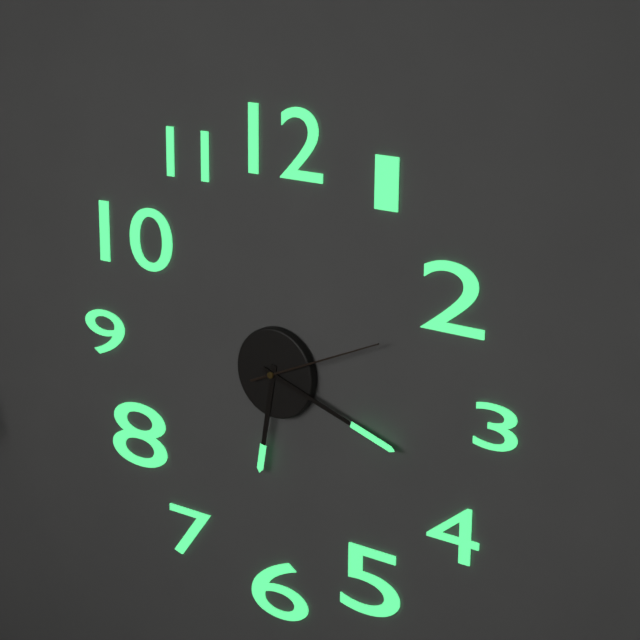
6:18:11
